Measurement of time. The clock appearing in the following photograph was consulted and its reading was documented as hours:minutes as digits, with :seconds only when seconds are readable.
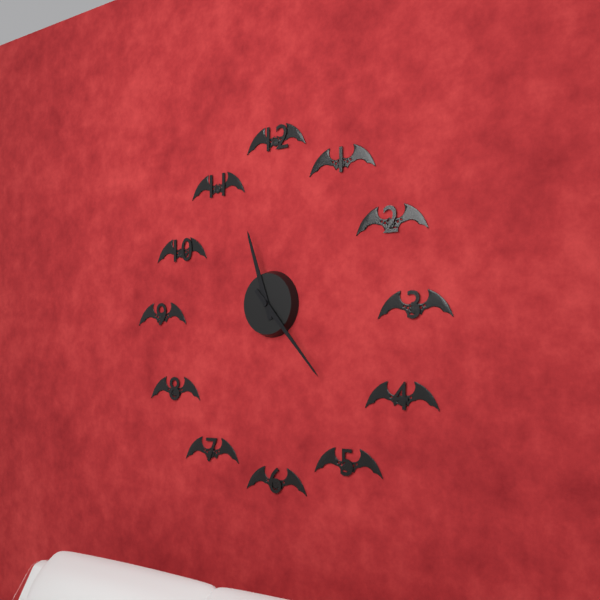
11:23
